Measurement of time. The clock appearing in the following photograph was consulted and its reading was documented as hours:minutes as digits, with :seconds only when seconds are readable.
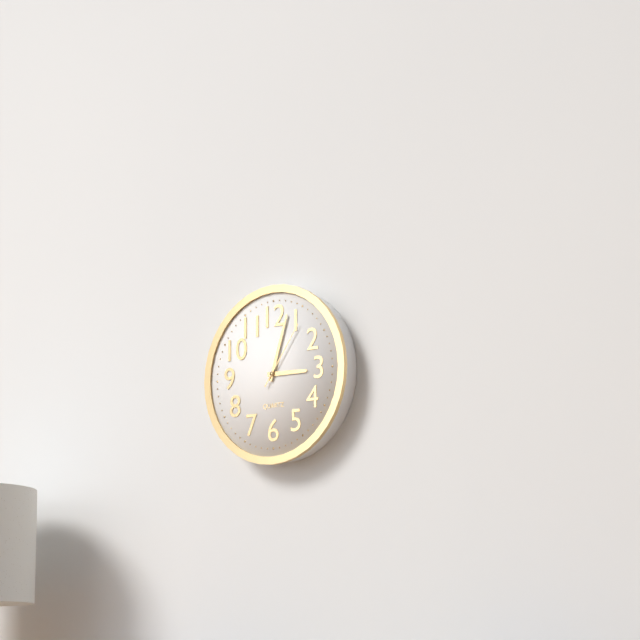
3:03:06
